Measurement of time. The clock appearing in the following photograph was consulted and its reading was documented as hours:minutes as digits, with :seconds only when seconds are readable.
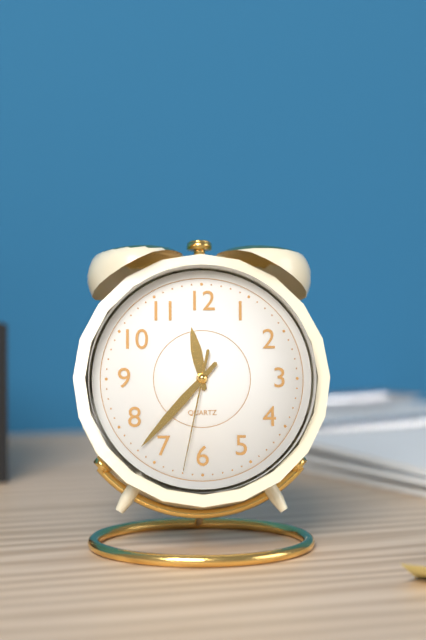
11:37:32
